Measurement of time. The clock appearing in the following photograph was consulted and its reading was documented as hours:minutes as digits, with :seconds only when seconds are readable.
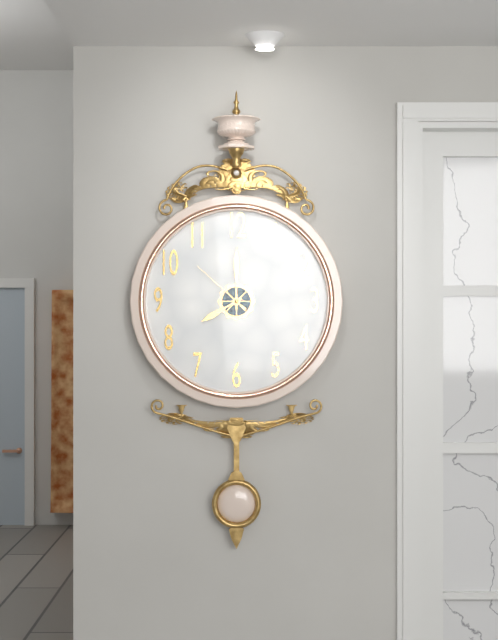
8:00:52
